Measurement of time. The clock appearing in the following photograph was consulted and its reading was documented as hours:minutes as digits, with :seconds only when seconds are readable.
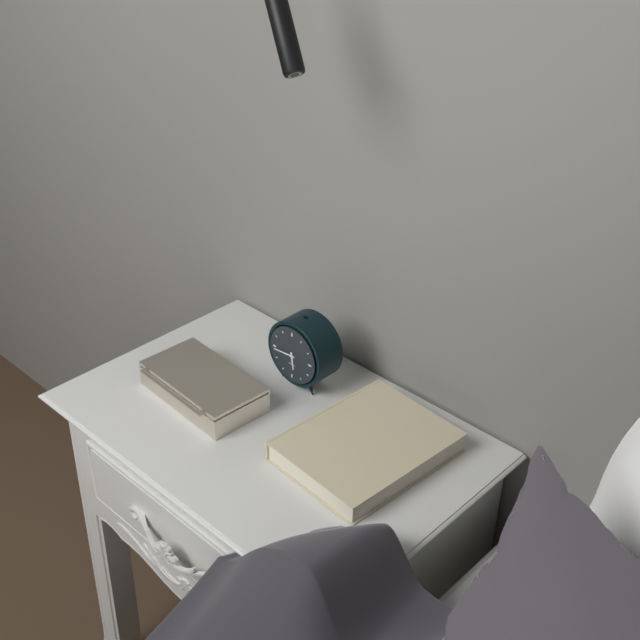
5:44
